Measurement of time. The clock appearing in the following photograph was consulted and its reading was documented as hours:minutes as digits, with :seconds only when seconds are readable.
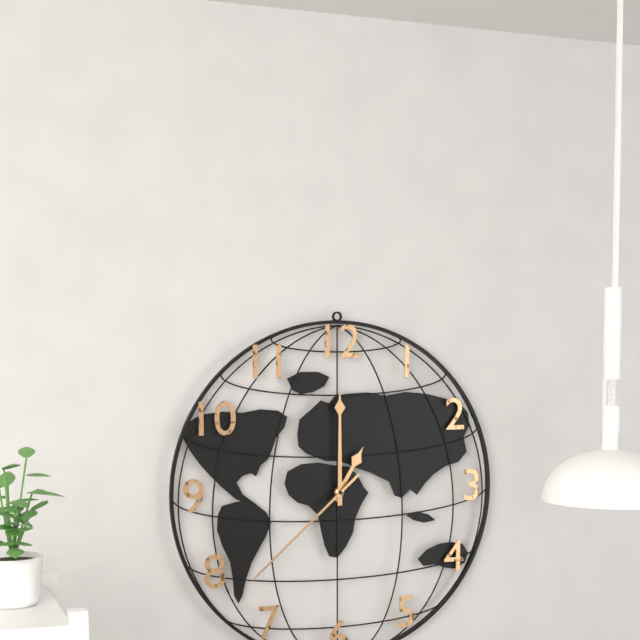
1:00:38
